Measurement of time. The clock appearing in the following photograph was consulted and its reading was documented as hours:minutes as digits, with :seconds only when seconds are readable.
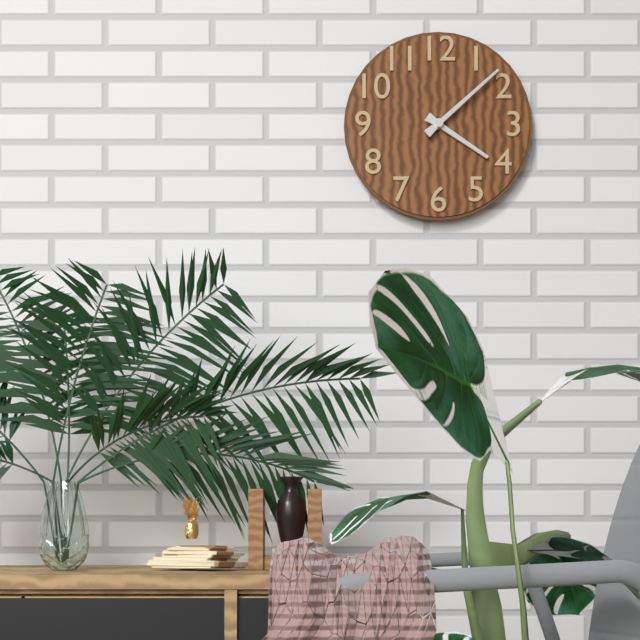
4:08
